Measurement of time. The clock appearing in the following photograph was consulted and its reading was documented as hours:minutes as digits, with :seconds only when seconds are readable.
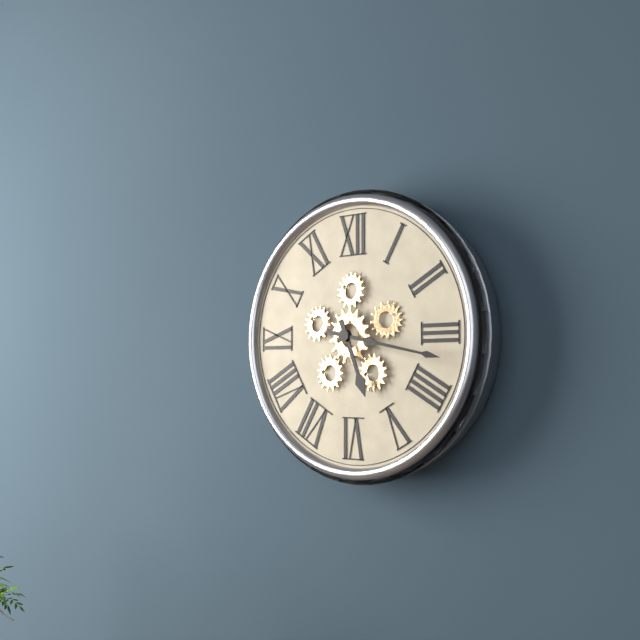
5:17
